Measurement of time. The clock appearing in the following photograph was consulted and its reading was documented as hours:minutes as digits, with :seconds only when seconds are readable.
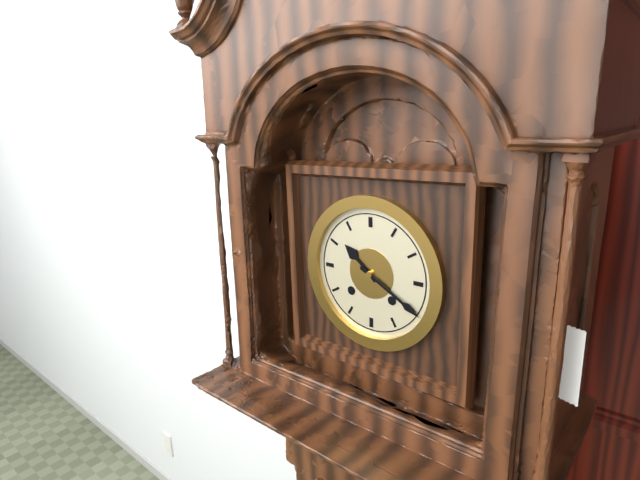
10:20
